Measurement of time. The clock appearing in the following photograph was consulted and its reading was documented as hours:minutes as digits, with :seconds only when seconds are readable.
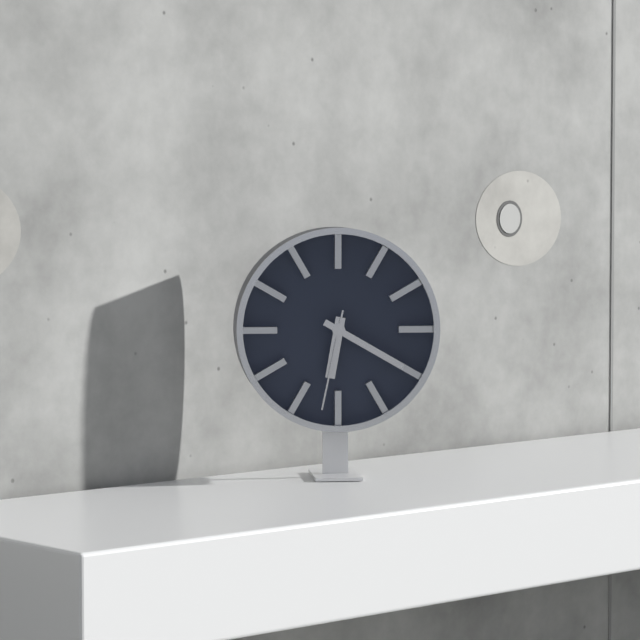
6:20:32
